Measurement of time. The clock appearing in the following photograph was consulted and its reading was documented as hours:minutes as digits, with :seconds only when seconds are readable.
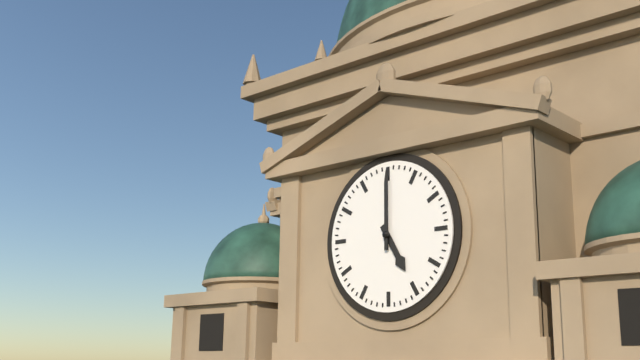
5:00
